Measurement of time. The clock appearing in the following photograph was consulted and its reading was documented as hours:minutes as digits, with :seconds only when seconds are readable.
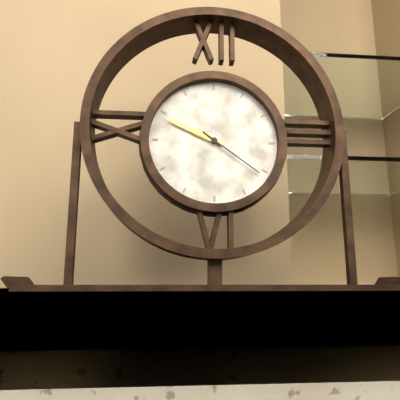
9:49:21
